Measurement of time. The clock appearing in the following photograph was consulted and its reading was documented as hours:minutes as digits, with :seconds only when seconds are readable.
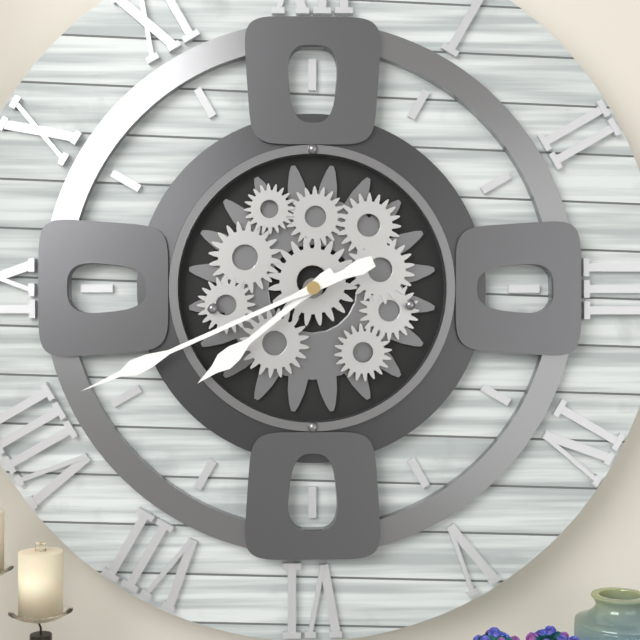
7:41
